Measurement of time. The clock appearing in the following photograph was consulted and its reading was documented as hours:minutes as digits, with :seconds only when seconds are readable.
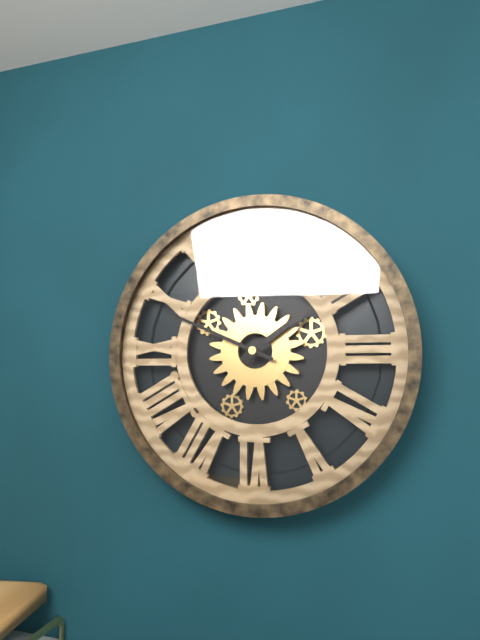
1:49
